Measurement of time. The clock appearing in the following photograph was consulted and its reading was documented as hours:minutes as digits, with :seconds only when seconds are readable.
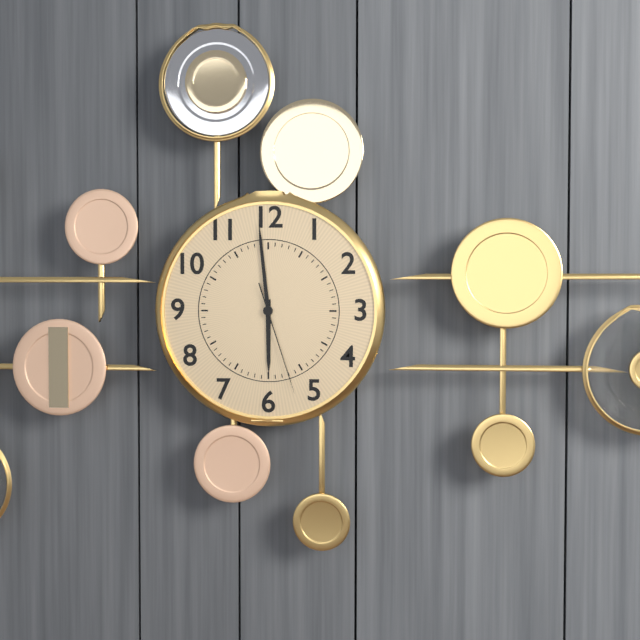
5:59:27
